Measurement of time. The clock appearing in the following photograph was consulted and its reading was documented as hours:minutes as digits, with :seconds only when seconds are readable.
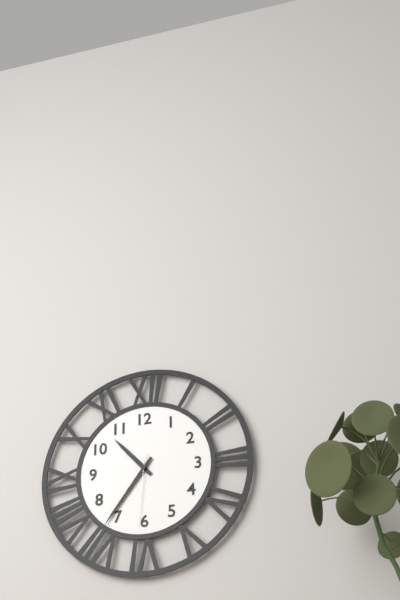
10:36:31
